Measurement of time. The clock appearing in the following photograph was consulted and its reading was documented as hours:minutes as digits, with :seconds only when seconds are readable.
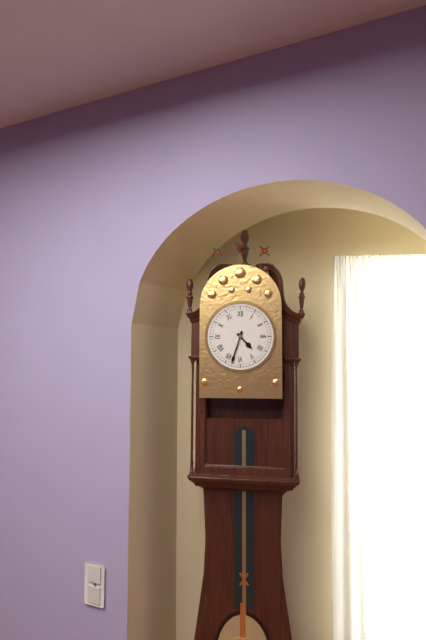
4:33
